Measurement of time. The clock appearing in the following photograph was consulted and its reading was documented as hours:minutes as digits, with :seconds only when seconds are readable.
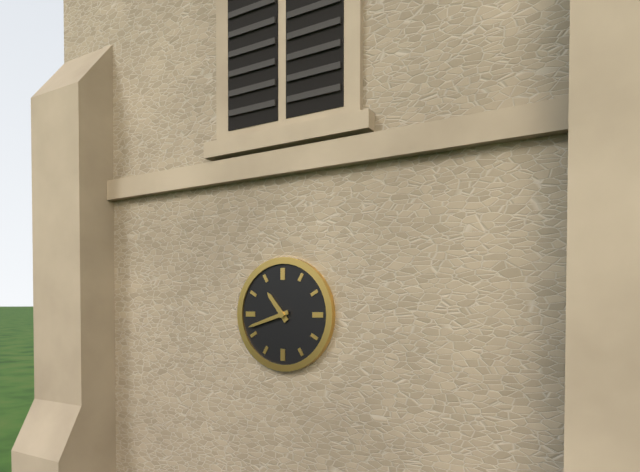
10:42
